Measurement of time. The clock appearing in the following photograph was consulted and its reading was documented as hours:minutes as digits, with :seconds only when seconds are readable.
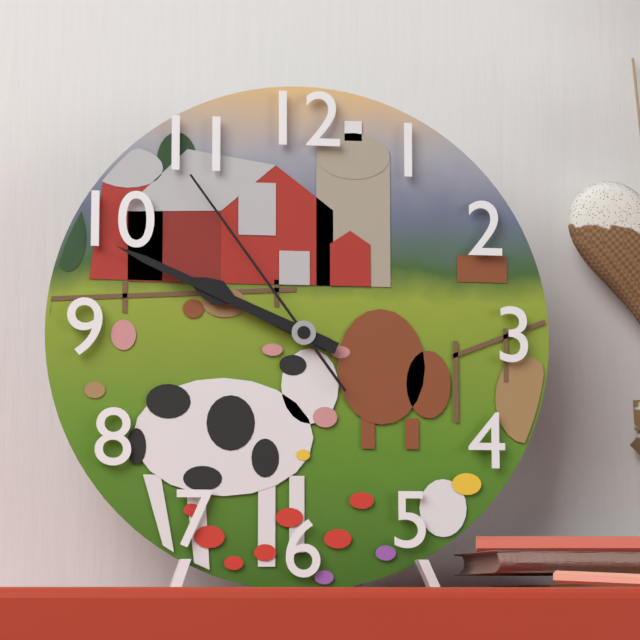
9:49:54
